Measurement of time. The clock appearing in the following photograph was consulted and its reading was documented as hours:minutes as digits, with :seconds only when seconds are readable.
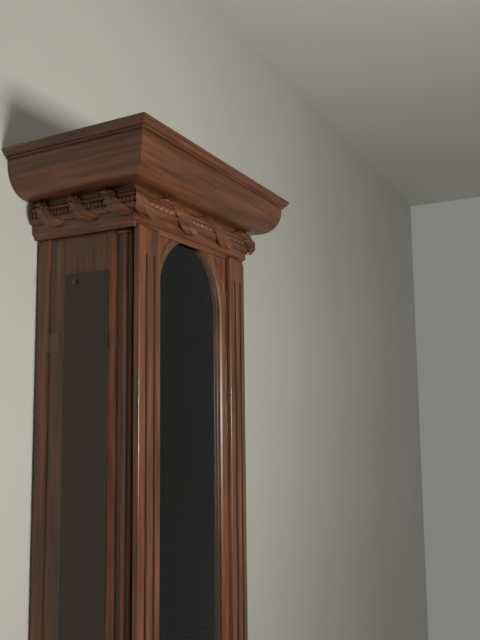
12:32
